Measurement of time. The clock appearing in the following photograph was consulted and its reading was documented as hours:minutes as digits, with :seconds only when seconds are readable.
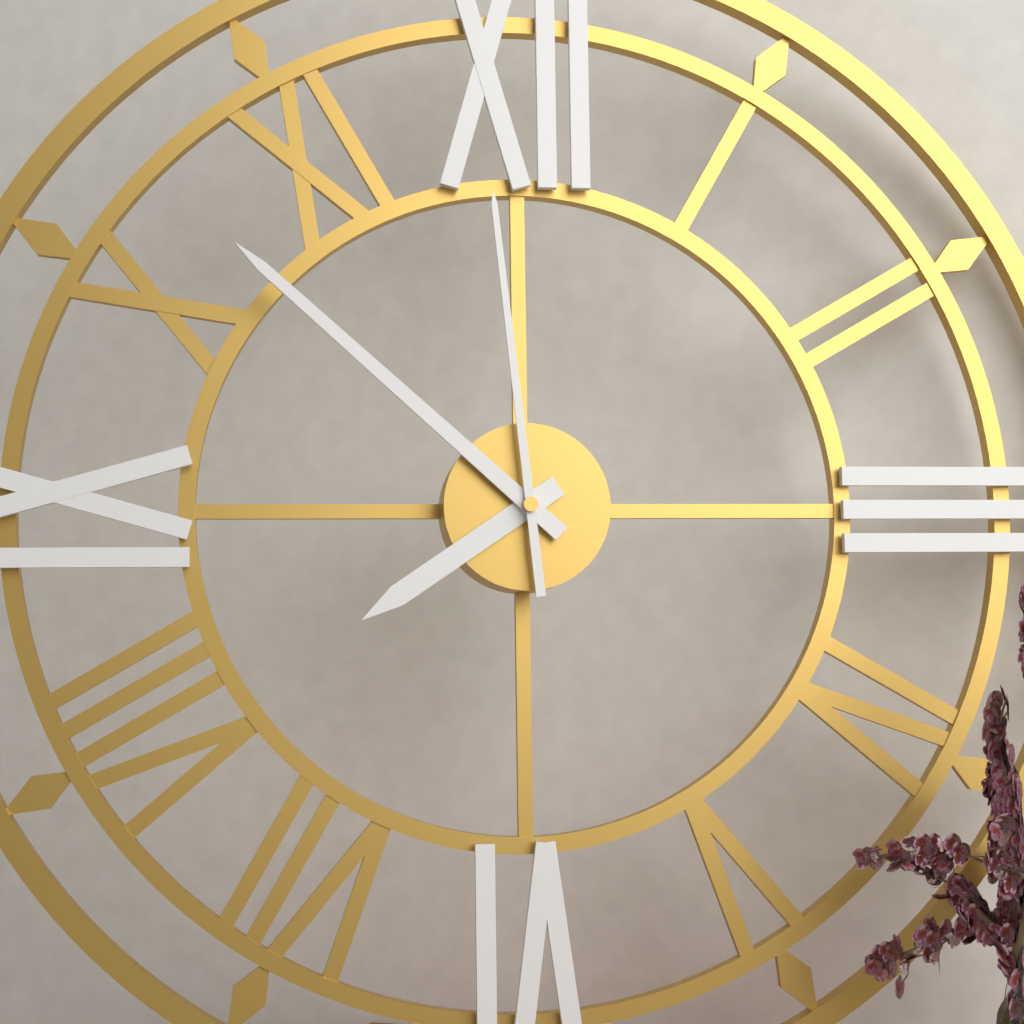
7:52:59
